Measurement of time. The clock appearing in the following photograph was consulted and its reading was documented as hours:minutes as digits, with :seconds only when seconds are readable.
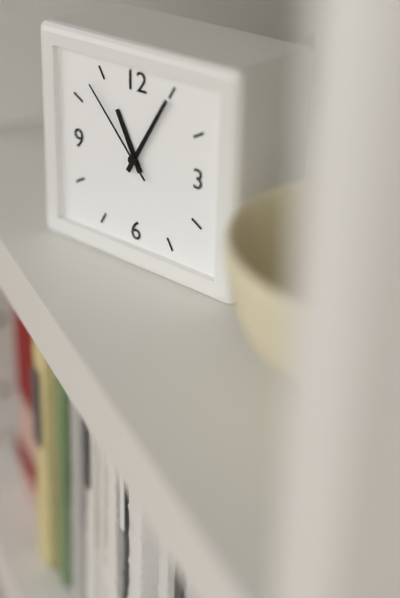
11:05:53
